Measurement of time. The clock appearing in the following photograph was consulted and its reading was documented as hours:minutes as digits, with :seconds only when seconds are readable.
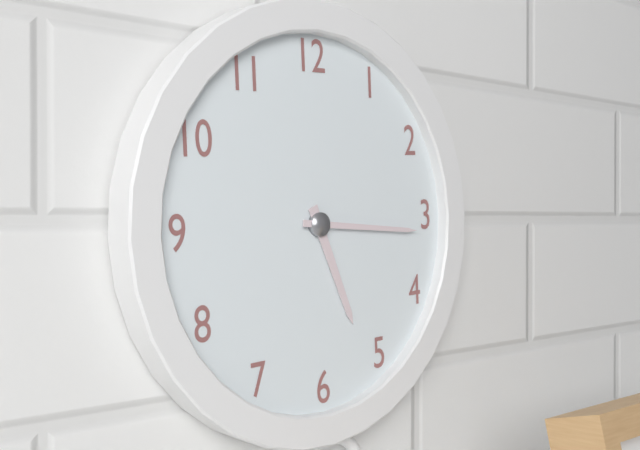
5:16
